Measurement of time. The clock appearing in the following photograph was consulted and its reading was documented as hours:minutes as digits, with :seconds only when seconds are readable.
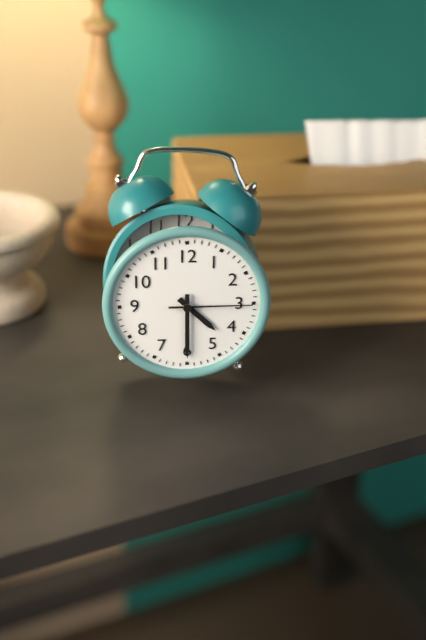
4:30:15
